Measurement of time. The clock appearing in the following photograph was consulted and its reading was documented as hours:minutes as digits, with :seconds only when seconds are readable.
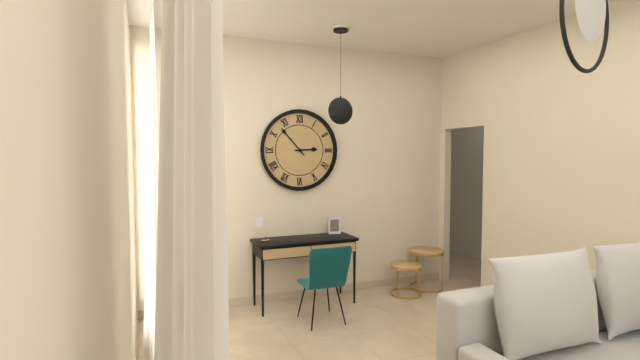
2:53
